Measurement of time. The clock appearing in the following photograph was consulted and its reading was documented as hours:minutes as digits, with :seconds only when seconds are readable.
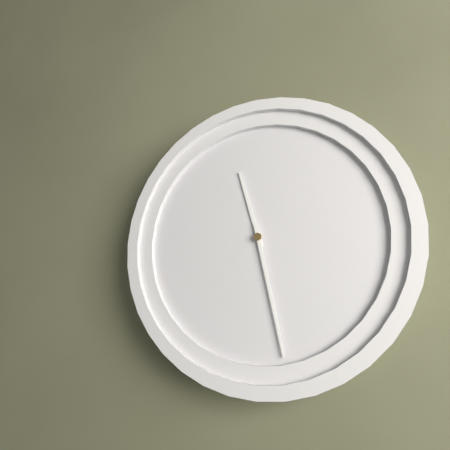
11:28
